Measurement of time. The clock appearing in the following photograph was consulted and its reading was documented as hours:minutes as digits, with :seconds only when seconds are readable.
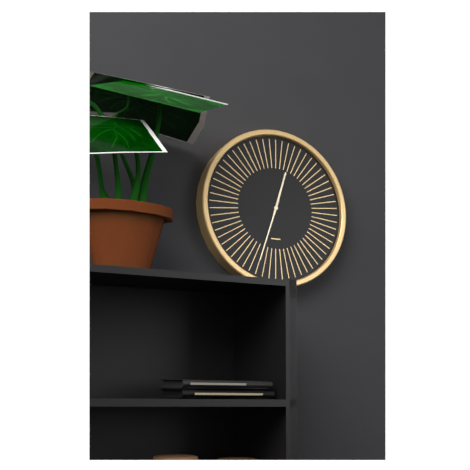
12:33
